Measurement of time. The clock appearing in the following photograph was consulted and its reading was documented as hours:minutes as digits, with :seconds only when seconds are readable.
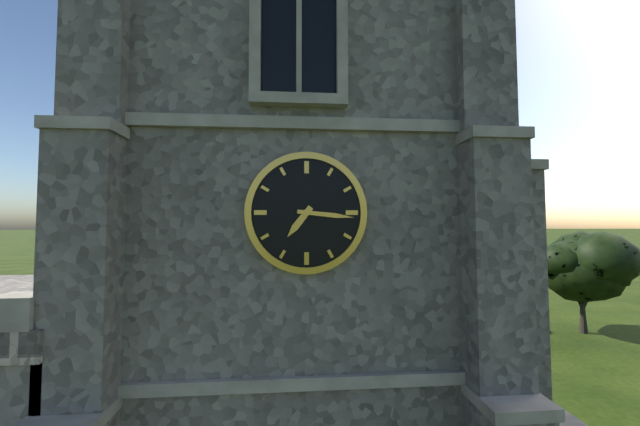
7:16
